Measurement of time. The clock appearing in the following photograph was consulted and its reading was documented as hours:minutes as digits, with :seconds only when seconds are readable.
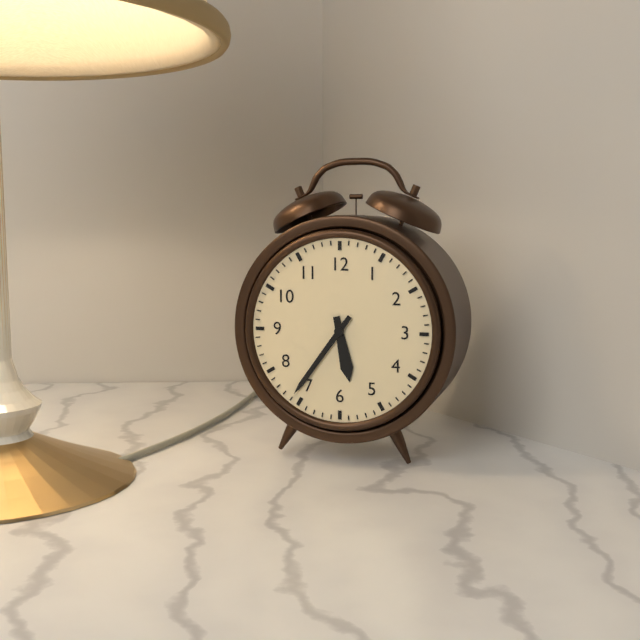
5:36
